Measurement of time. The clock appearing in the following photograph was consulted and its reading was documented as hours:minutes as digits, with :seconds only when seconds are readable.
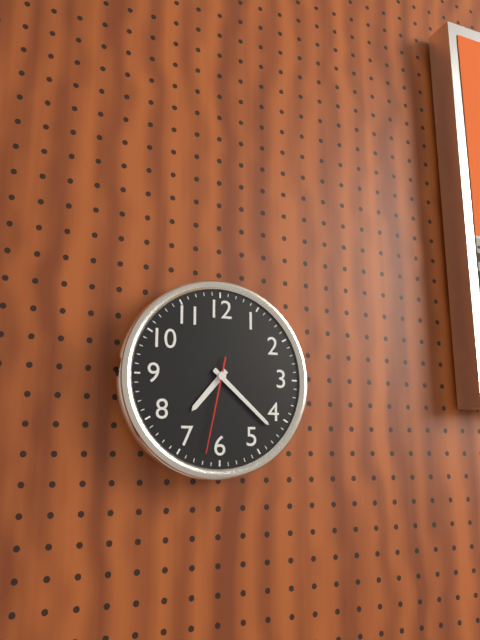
7:22:32
